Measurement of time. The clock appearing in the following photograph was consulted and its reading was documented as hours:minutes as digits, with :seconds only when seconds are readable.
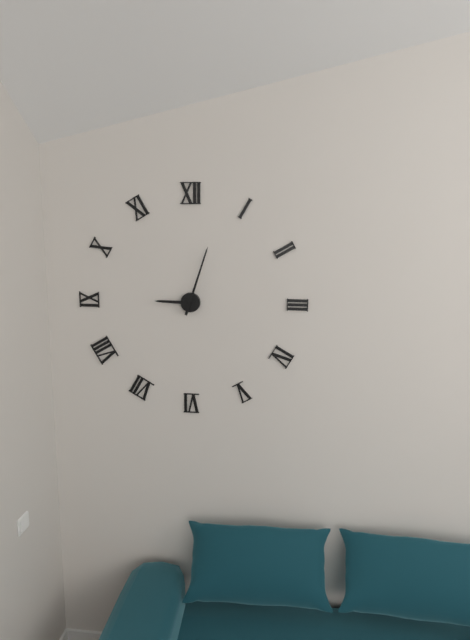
9:03
